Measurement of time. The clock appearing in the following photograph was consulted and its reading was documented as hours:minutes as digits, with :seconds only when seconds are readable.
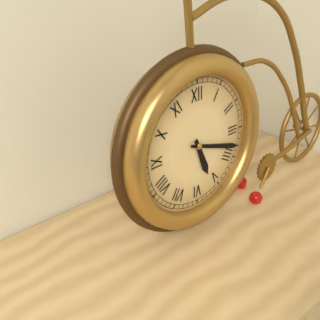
5:18
